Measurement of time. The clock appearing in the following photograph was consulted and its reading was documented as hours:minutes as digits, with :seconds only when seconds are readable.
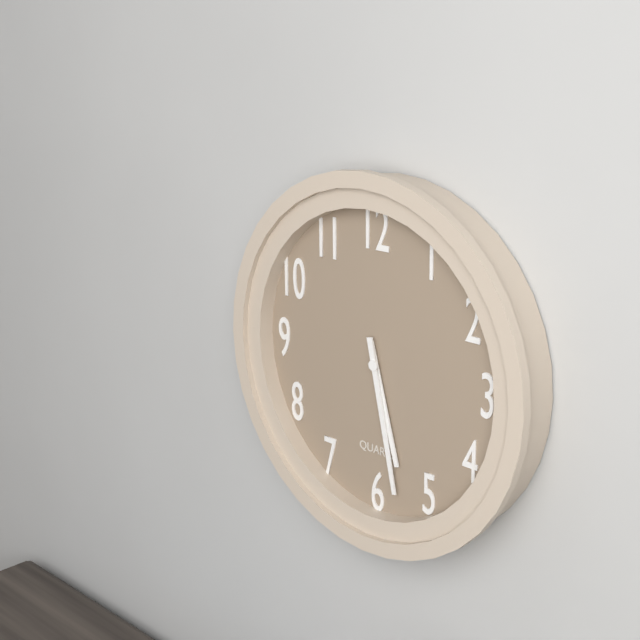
5:28
